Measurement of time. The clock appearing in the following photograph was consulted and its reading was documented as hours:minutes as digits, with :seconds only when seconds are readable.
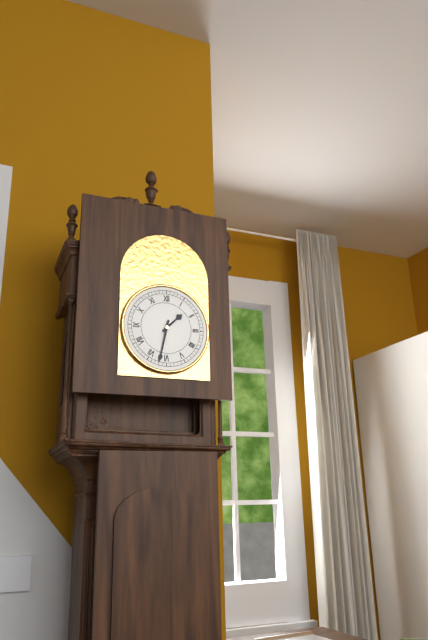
1:32
